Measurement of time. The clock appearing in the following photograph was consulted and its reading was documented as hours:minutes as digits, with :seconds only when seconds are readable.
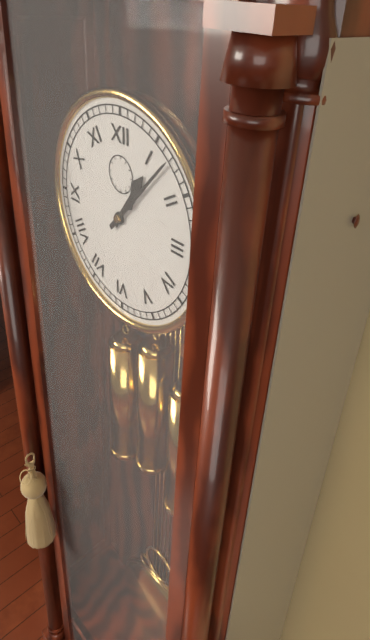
1:07
